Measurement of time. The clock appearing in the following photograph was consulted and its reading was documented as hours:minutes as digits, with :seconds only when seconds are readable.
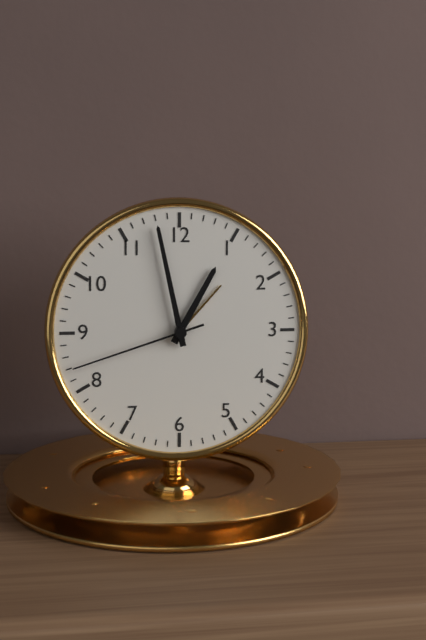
12:58:42
